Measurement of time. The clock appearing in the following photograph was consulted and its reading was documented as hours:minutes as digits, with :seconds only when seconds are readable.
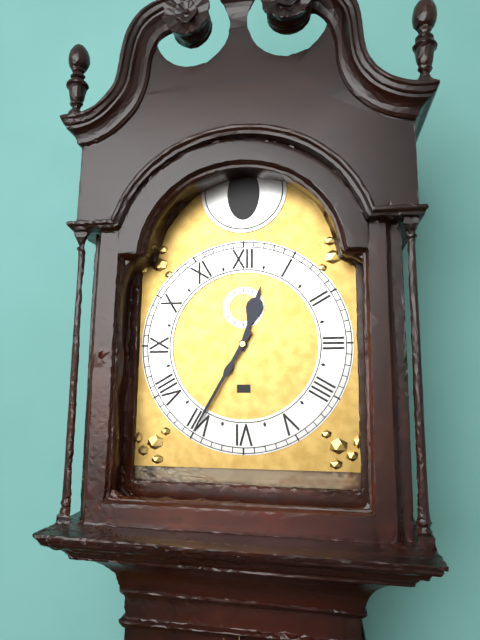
12:35
